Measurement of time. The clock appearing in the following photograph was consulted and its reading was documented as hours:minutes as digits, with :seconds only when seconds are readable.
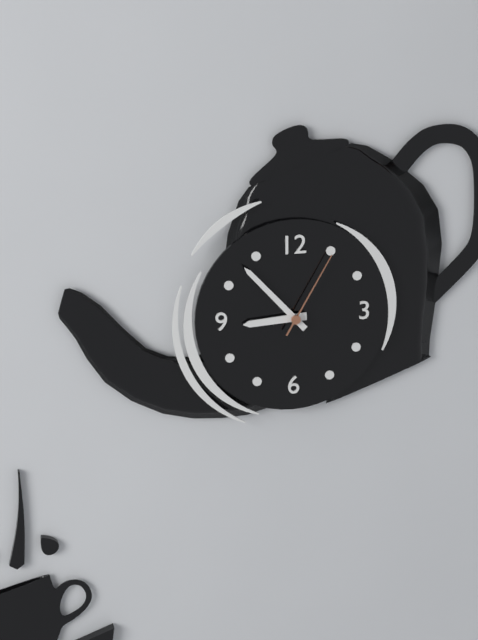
8:53:05
